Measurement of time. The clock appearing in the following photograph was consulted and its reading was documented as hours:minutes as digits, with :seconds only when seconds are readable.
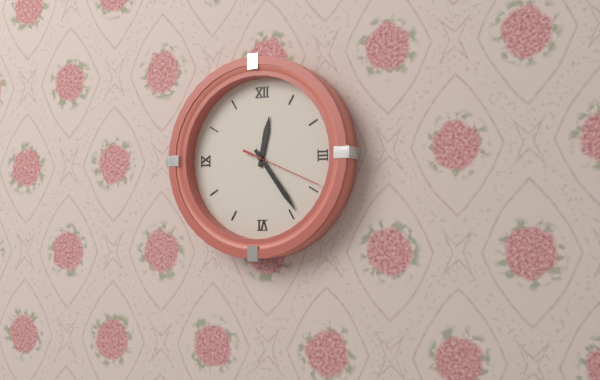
12:24:19
